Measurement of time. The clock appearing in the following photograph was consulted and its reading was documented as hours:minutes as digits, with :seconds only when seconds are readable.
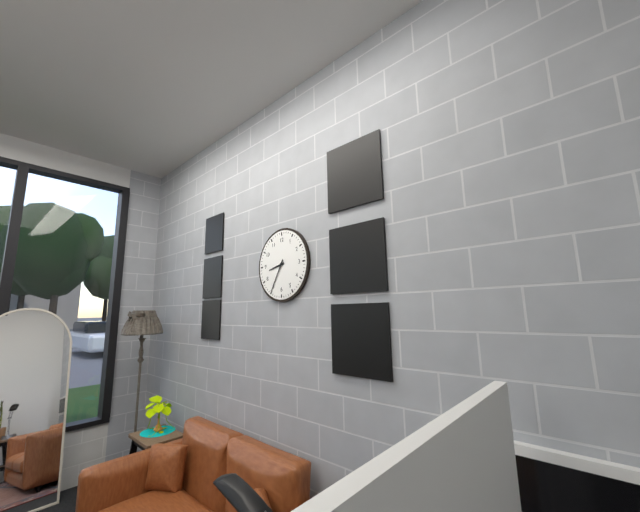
8:35
